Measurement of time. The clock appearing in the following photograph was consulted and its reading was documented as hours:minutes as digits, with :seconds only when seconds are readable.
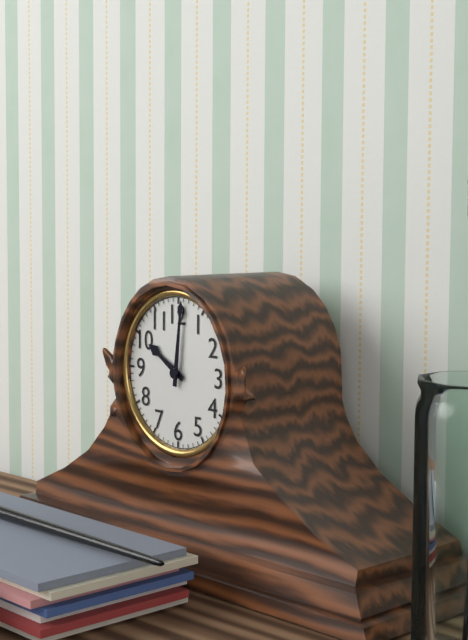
10:01
